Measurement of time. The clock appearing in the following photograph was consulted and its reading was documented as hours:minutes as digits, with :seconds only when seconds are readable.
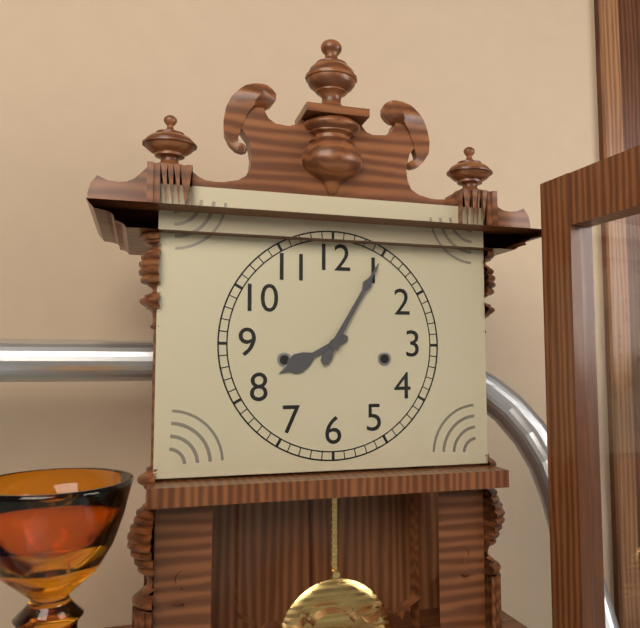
8:05
